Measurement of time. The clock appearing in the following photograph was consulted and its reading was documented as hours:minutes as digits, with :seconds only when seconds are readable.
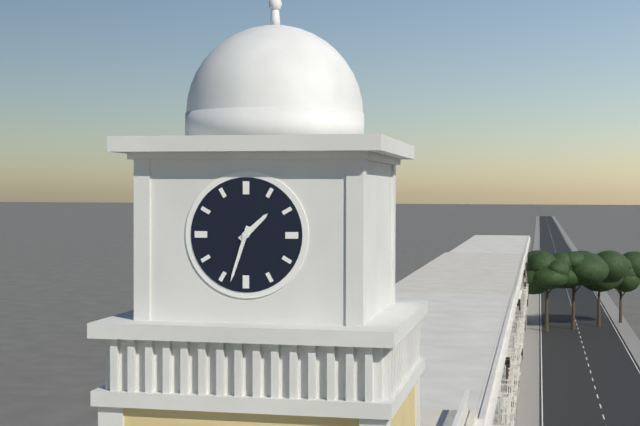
1:33
